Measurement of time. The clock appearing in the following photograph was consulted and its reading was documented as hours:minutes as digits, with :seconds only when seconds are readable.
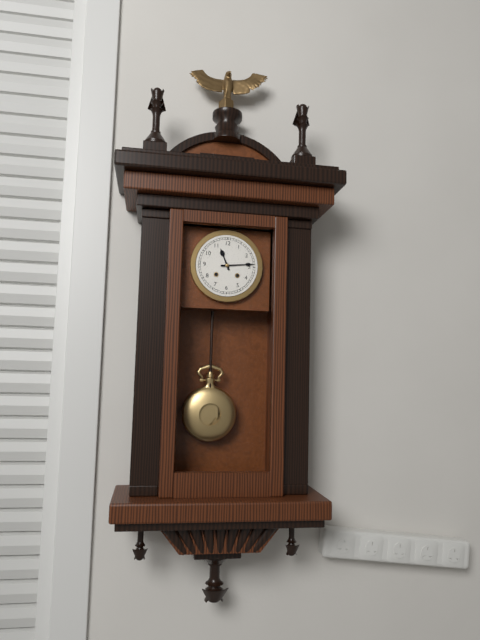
11:14
